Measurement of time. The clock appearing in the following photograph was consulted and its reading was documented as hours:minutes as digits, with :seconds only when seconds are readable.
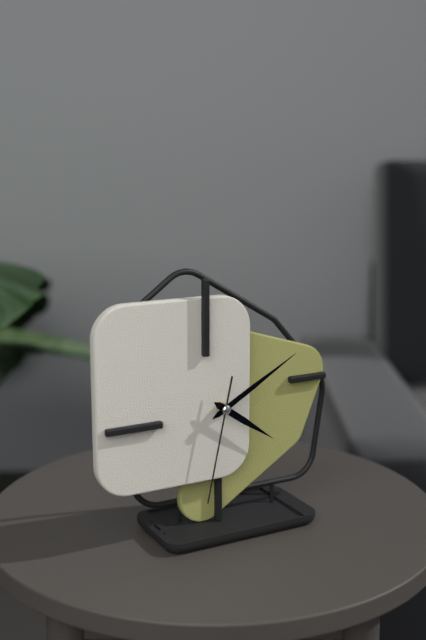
4:10:32
